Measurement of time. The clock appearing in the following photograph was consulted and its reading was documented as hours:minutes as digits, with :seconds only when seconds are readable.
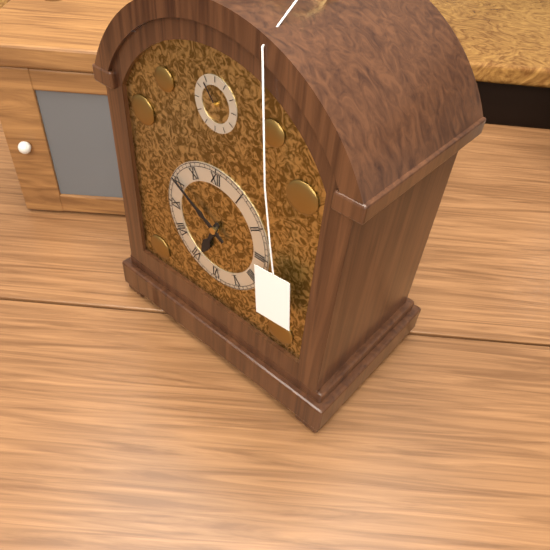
6:50
